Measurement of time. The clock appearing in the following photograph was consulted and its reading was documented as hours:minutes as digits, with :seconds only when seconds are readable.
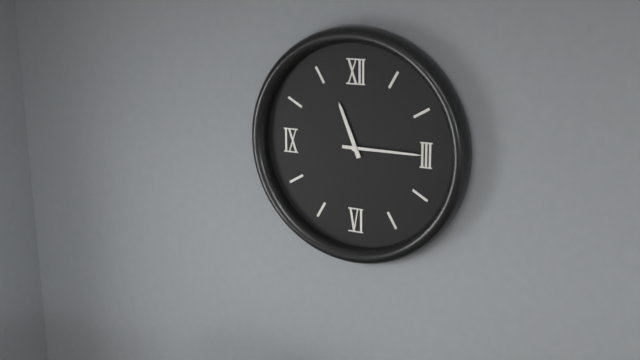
11:15
